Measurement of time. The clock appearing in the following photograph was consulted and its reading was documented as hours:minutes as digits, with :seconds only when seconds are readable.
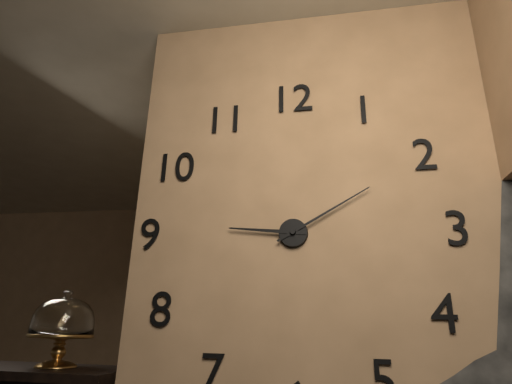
9:10
